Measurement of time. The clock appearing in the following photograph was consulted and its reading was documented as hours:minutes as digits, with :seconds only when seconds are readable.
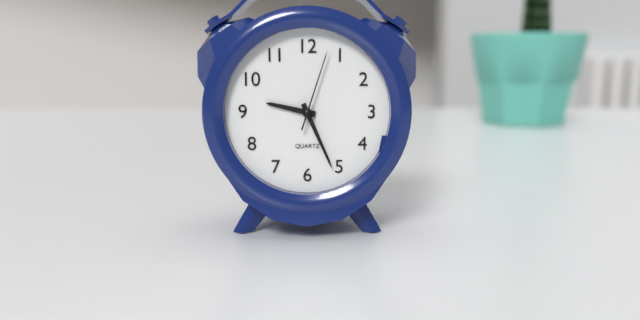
9:26:03
